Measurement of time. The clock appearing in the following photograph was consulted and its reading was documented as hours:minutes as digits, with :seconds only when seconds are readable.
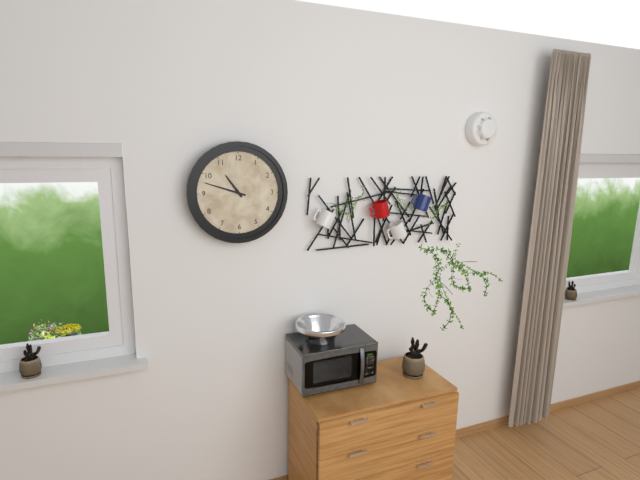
10:48
